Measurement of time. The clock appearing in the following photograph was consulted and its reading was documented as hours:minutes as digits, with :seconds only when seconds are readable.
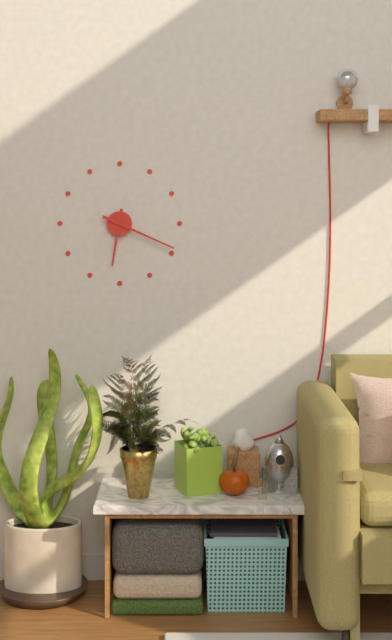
6:19
